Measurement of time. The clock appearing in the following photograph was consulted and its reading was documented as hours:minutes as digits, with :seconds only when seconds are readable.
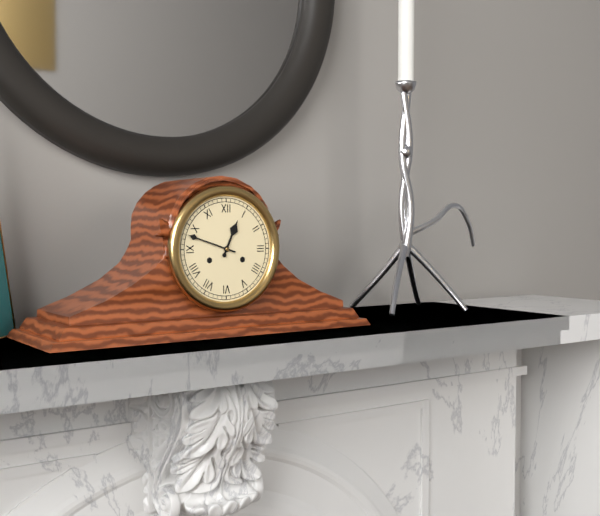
12:48
